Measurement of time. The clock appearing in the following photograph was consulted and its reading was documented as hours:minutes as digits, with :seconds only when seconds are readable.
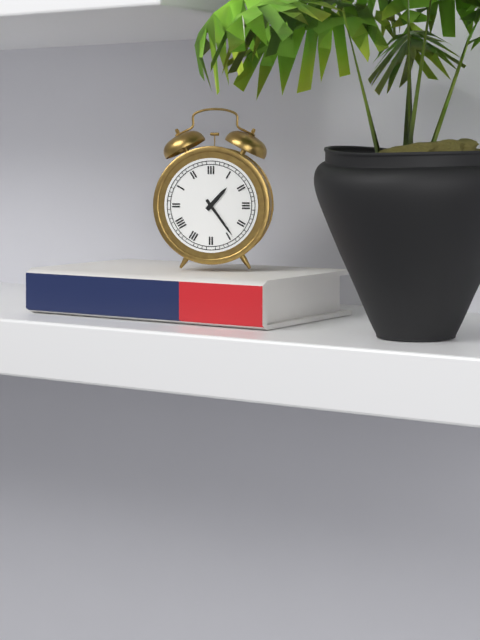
1:24
